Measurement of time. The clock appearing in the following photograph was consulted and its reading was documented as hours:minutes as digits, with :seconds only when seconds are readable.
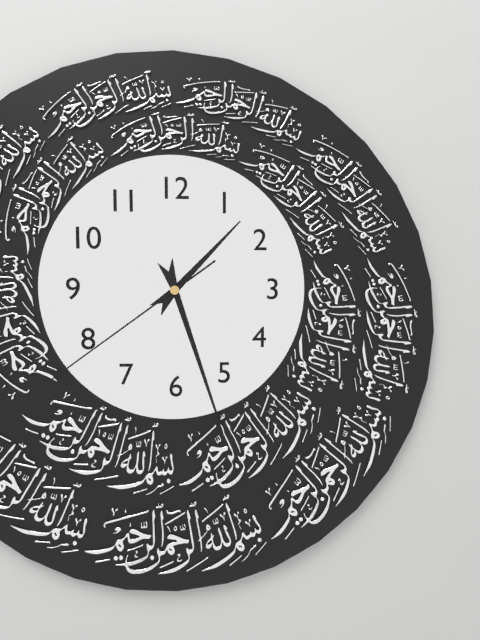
1:27:39
